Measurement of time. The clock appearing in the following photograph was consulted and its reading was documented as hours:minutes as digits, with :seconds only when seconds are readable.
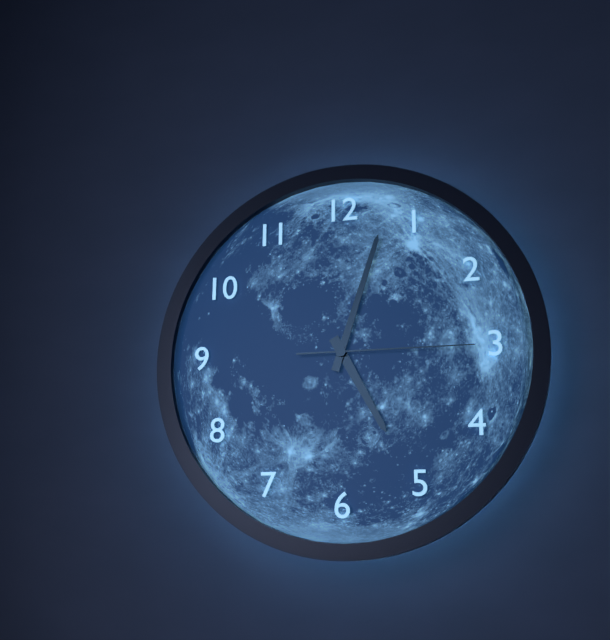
5:03:15
